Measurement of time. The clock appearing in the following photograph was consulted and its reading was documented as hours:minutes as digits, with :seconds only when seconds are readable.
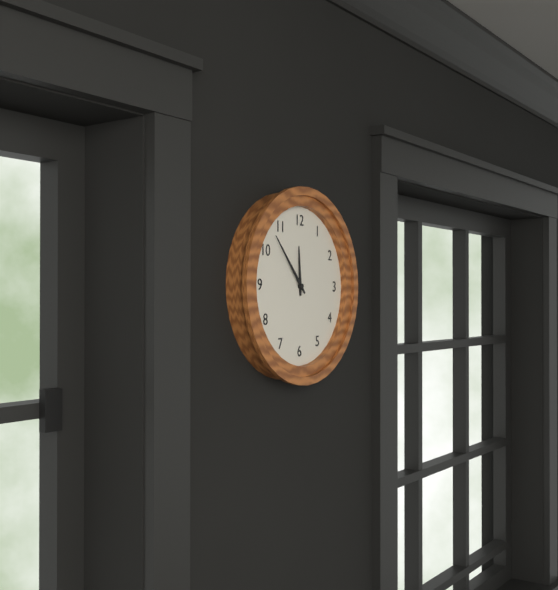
11:53
